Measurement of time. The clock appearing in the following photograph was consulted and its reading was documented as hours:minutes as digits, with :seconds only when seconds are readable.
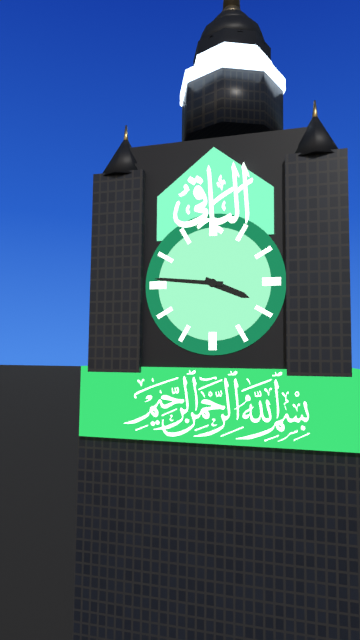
3:46
